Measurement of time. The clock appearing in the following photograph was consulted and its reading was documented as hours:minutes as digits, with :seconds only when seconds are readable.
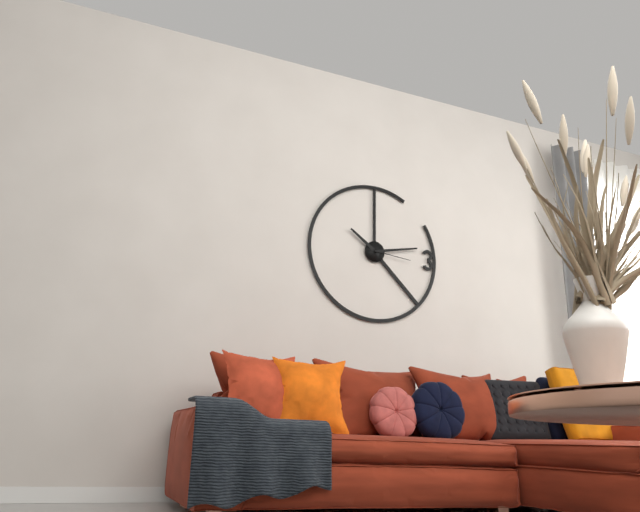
10:13
